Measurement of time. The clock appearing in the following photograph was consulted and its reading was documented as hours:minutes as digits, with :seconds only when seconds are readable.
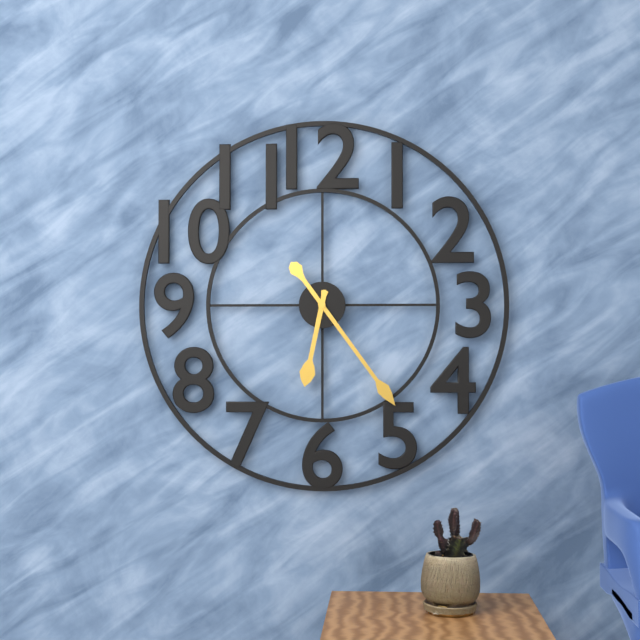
6:24
